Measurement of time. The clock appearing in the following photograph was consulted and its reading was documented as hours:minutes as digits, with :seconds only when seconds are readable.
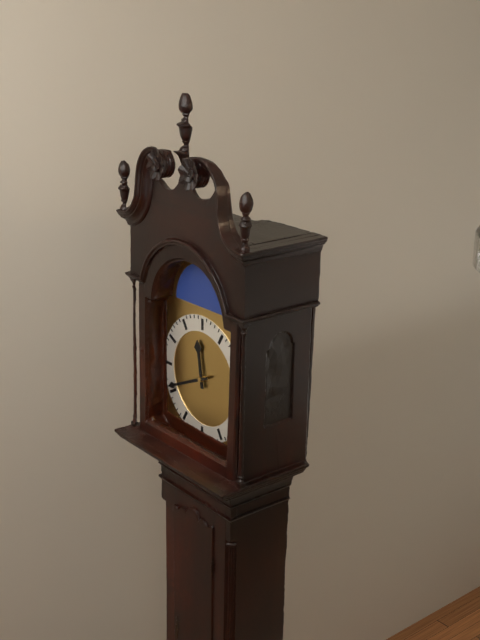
11:41
